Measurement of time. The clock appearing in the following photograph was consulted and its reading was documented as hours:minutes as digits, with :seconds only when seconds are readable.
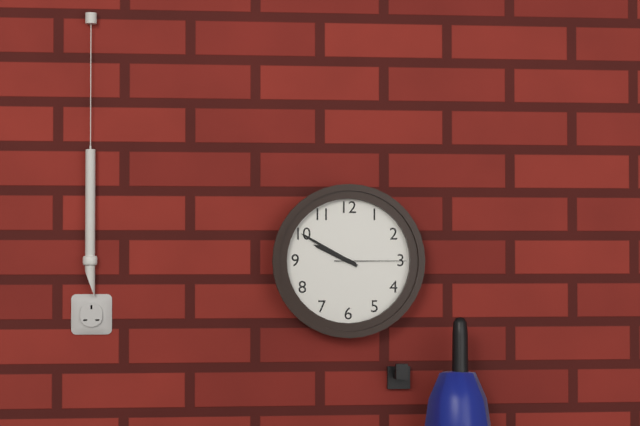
9:50:15
